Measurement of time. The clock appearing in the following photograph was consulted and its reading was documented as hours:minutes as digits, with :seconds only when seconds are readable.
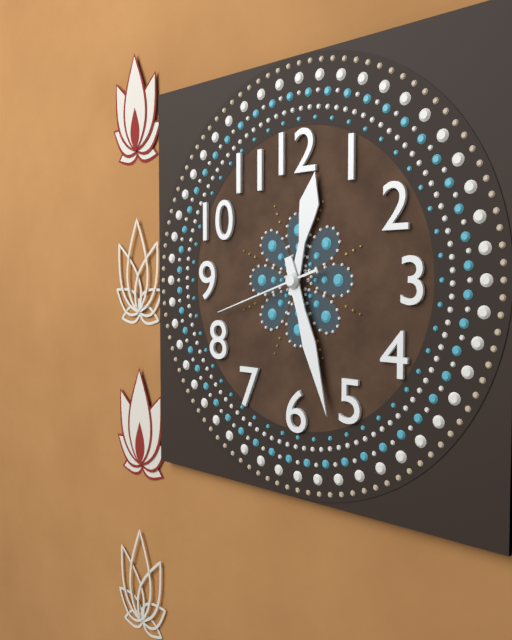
12:27:42
